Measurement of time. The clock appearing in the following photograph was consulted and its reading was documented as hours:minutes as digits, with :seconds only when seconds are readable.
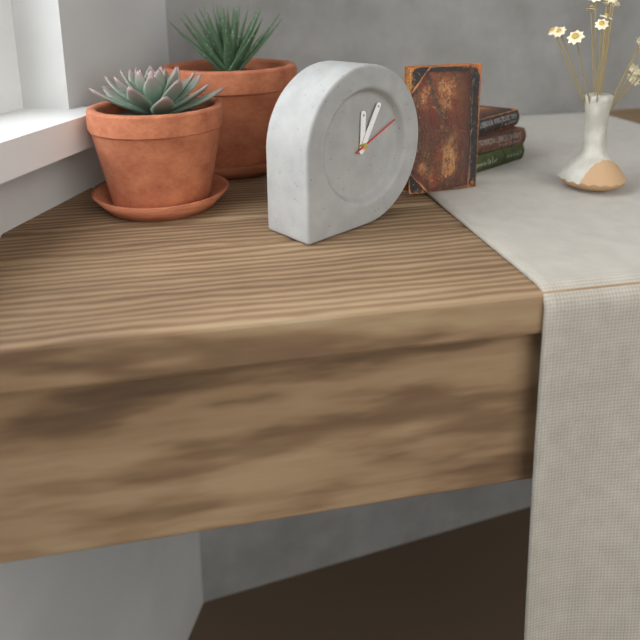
12:05:11
